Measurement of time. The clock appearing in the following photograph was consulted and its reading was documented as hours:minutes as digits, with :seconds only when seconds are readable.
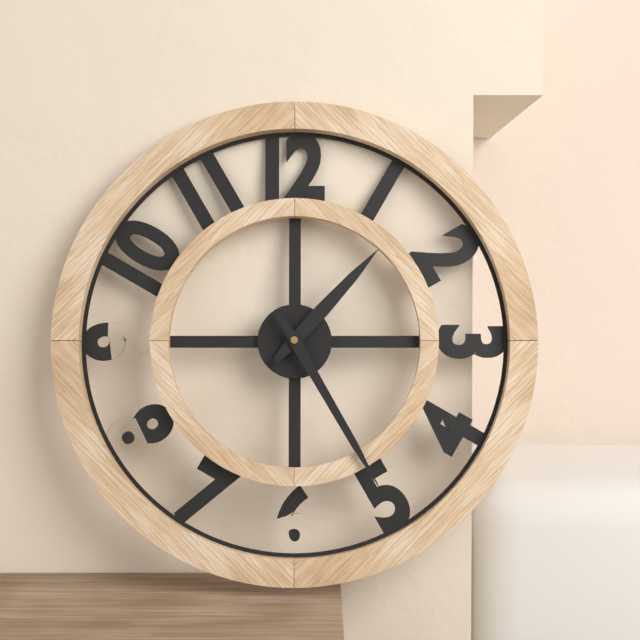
1:25
